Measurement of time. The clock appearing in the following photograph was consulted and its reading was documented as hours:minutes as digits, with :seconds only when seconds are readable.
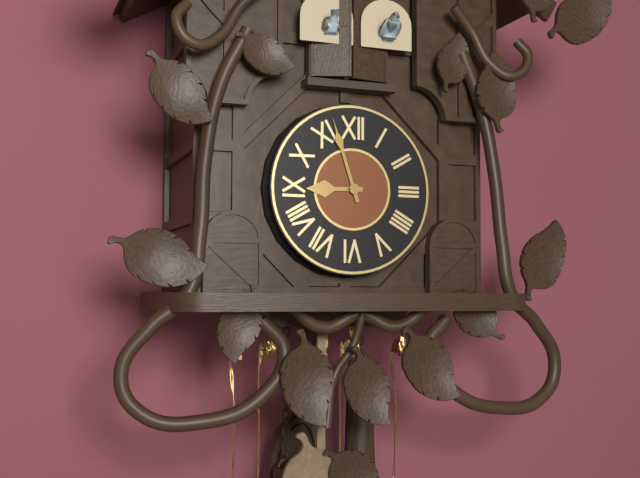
8:57
